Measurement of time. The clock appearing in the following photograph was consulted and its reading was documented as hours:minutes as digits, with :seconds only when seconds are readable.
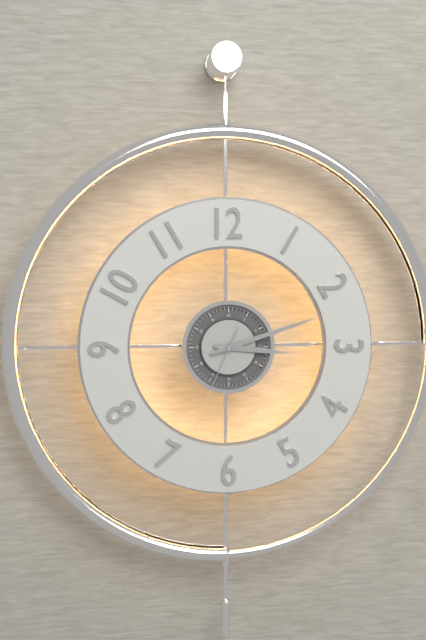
3:12:34
